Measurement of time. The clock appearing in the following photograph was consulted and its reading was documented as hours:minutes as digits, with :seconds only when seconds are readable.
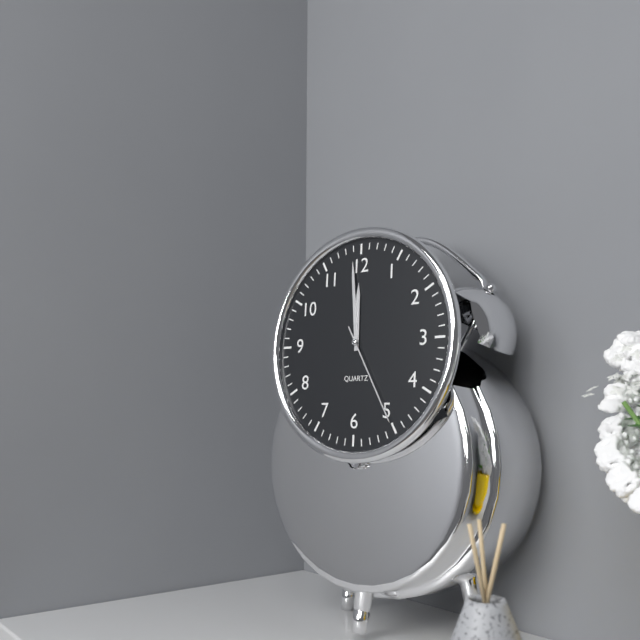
11:59:25
